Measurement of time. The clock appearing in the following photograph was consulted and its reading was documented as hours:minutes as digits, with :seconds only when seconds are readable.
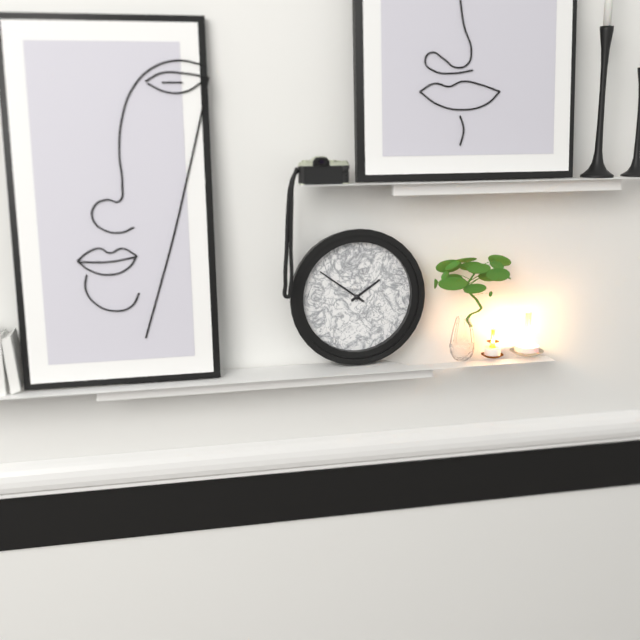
1:51
